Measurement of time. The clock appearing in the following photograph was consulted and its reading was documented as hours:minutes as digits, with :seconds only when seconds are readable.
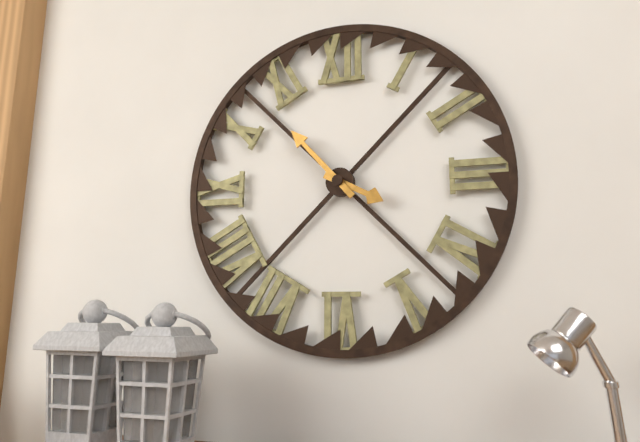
3:53
